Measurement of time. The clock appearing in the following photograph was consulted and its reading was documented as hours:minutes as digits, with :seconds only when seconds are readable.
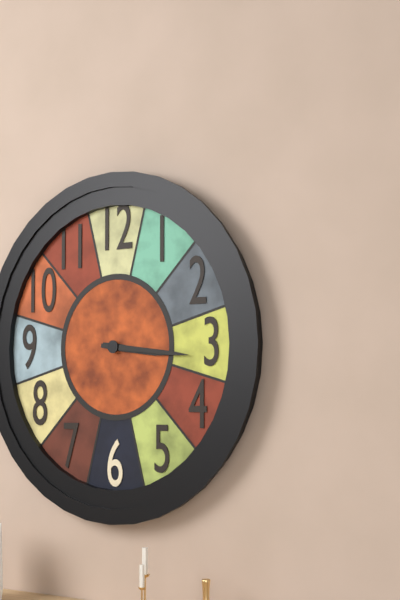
3:16
